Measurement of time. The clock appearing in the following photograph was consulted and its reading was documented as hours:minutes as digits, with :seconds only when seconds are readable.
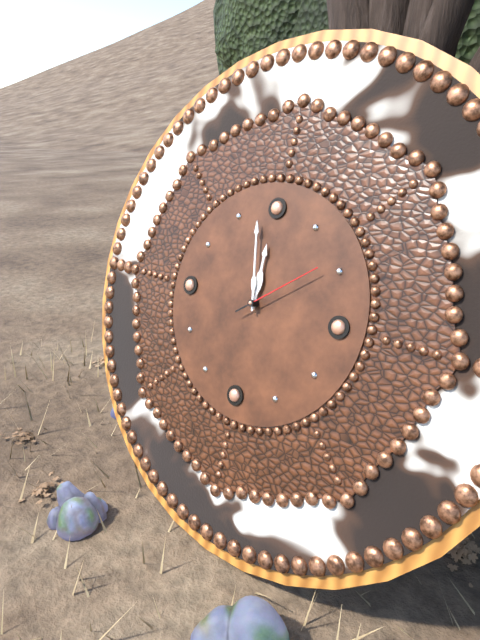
11:58:09
